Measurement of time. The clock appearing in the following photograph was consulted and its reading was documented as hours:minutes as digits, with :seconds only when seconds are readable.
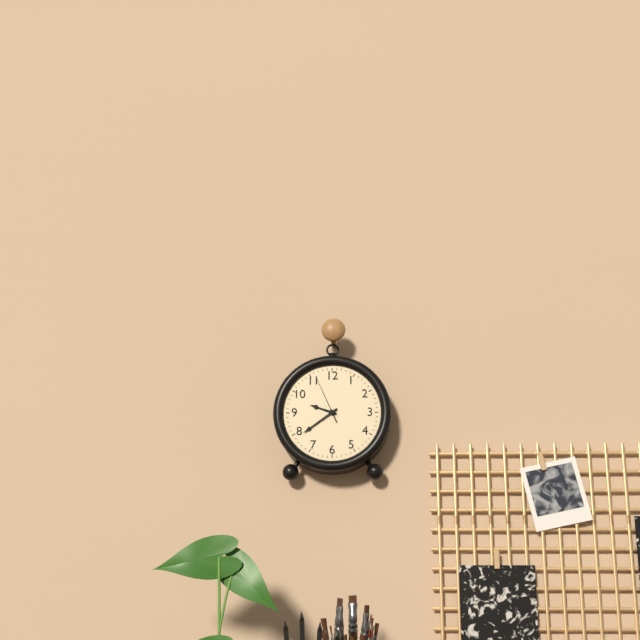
9:39
